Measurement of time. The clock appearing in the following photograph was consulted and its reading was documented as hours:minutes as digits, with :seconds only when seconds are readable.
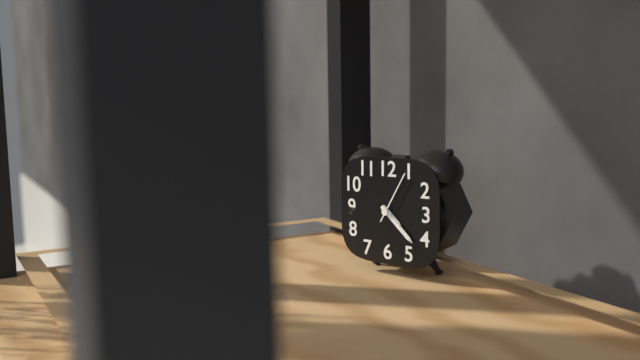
4:22:05
